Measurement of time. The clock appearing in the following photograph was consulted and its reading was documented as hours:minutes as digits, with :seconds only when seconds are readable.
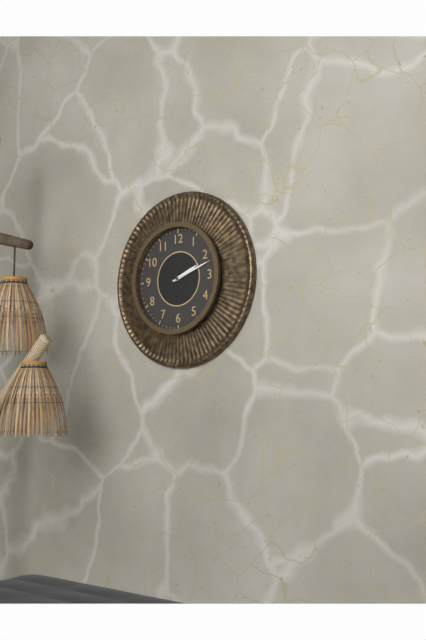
2:12
